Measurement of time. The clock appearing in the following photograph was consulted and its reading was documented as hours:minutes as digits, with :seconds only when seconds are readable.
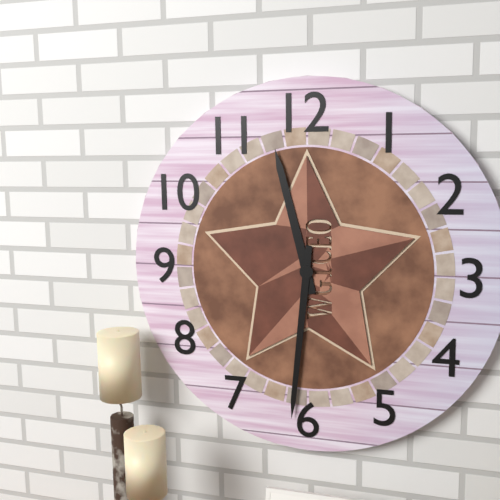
11:31
